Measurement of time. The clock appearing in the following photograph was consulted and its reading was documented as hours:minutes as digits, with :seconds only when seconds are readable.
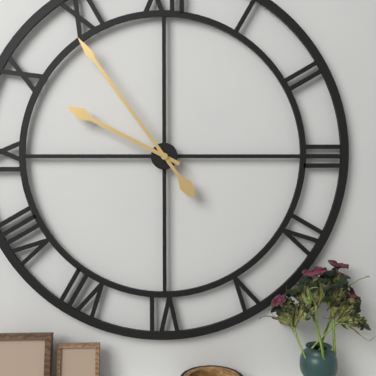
9:54
